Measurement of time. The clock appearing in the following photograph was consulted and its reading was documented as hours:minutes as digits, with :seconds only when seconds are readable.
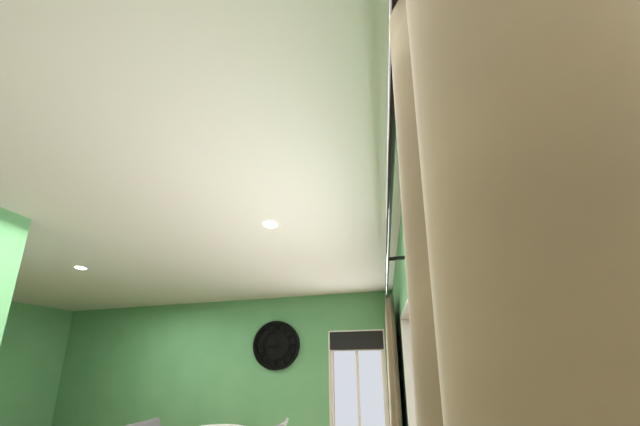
8:58
